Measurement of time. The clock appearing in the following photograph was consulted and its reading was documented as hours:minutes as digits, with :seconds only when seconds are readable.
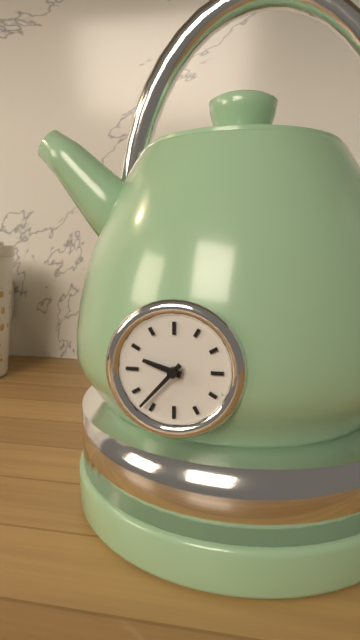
9:37
